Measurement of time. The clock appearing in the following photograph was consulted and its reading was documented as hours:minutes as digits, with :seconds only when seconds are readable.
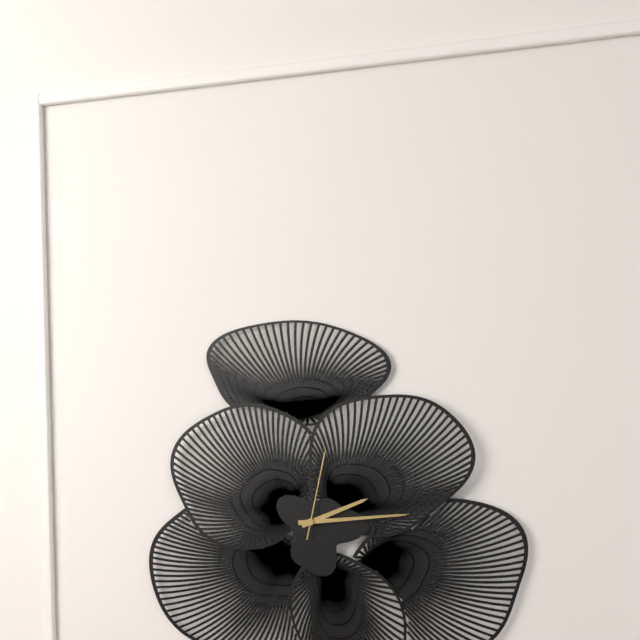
2:14:02
